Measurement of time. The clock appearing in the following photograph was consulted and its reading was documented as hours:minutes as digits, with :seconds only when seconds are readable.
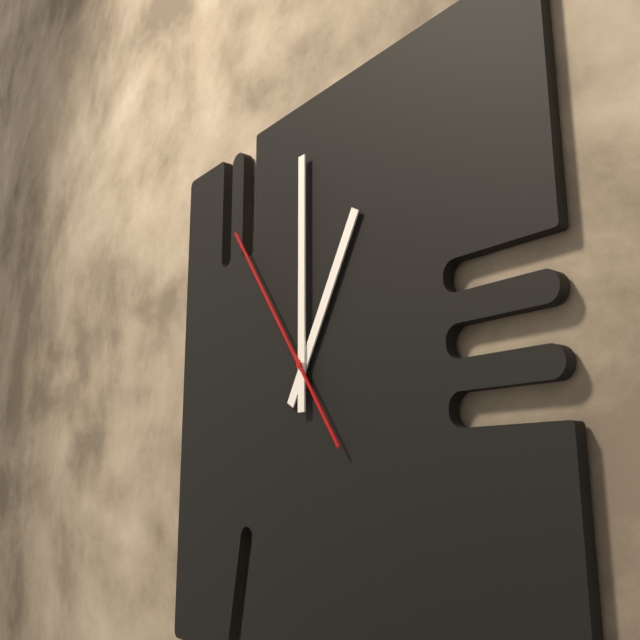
1:00:54
